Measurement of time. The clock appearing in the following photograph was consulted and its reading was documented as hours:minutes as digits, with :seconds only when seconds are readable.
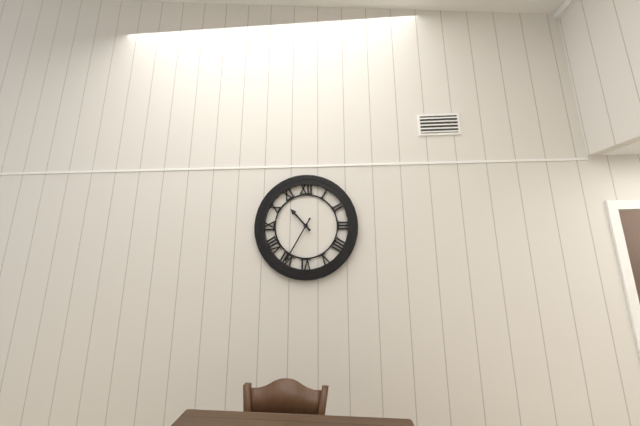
10:35
